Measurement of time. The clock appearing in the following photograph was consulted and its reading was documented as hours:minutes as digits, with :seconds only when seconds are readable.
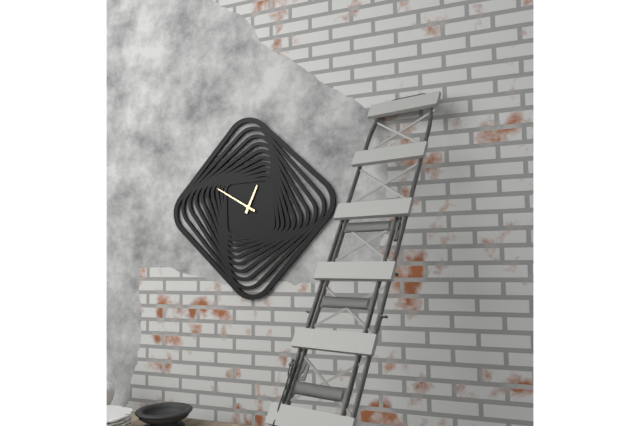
12:50
